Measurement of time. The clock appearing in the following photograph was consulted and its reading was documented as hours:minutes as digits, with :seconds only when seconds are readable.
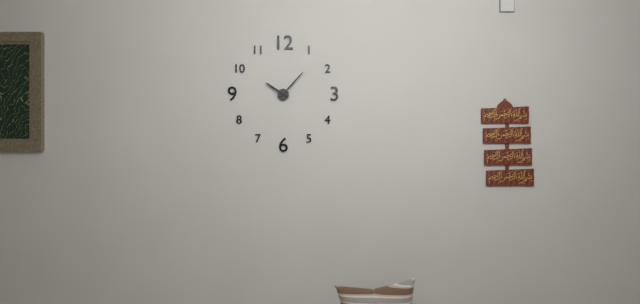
10:07
